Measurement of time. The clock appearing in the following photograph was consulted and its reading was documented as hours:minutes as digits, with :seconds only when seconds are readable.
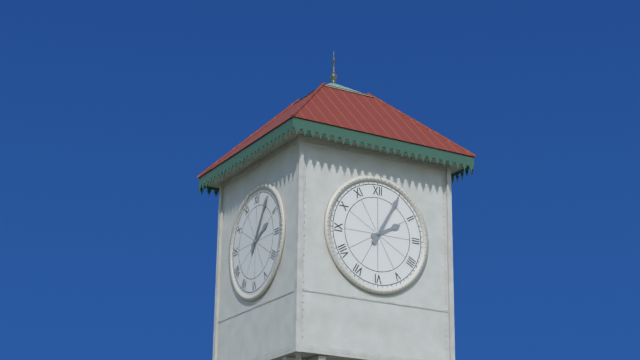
2:05
